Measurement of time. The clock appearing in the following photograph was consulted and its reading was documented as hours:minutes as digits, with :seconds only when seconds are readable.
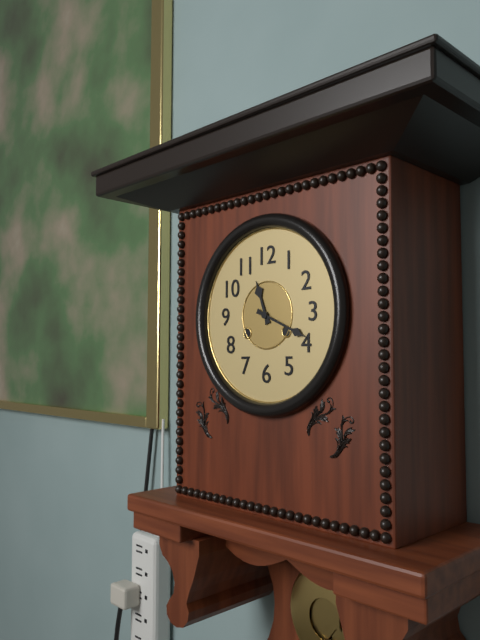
11:19
